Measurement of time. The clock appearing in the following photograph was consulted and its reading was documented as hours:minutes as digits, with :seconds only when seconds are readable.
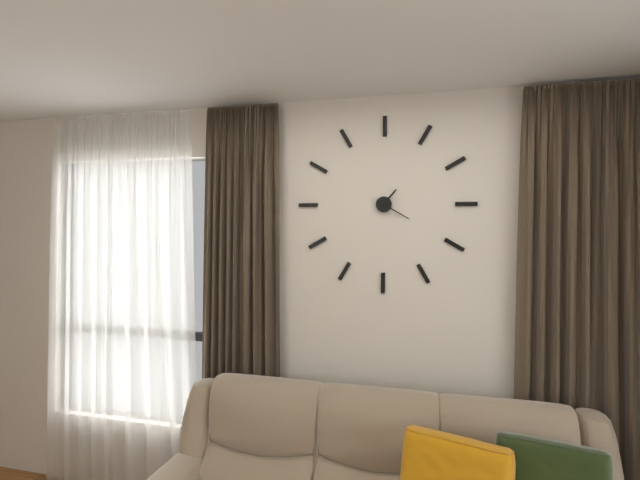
1:20
